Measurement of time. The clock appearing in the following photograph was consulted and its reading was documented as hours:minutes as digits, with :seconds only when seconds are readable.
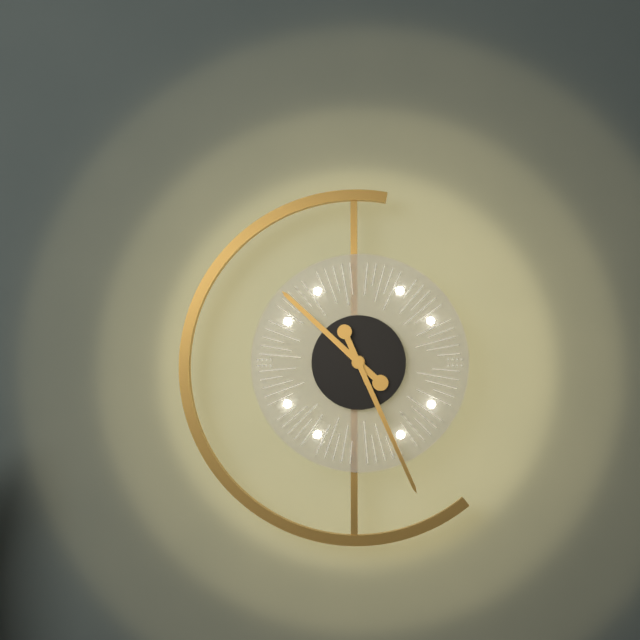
10:26
